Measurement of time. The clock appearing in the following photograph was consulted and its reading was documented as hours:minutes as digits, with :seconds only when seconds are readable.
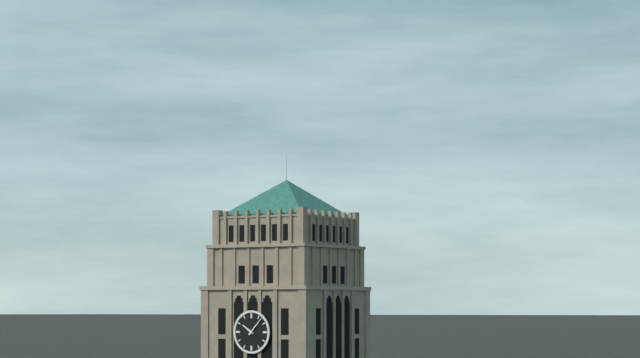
10:07
